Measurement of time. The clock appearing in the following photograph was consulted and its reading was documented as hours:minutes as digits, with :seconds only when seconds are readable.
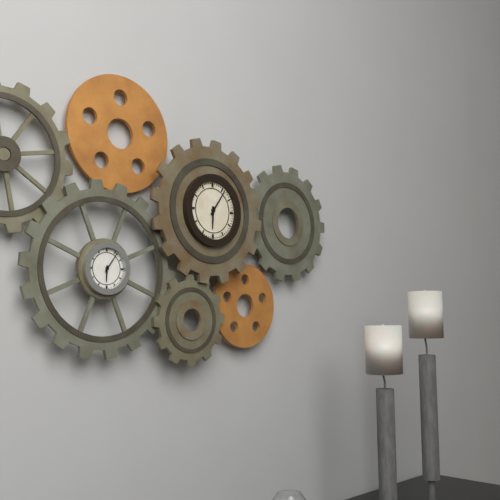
6:06
